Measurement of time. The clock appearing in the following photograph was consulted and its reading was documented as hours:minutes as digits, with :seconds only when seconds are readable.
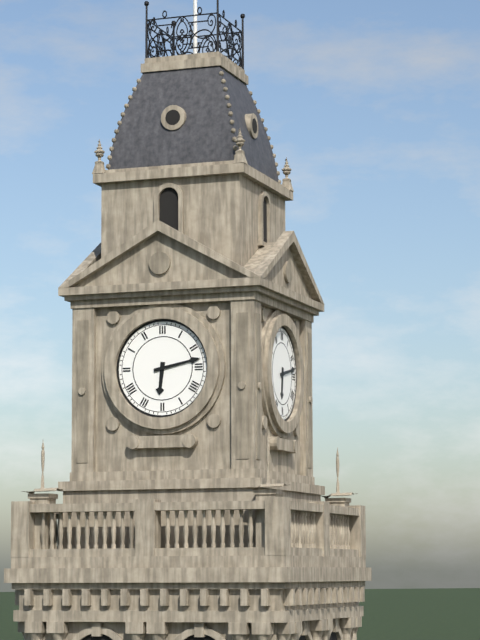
6:13
